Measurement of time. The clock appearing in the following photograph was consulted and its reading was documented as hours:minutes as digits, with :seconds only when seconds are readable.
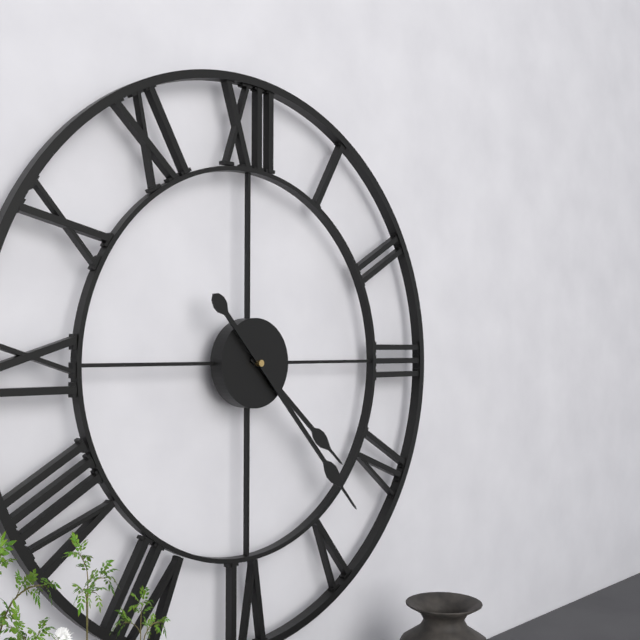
4:23
